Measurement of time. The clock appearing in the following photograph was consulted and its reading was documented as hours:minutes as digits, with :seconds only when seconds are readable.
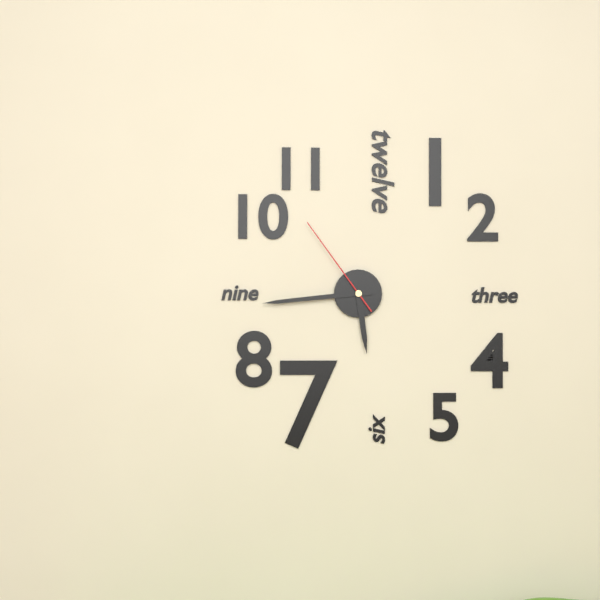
5:44:54
